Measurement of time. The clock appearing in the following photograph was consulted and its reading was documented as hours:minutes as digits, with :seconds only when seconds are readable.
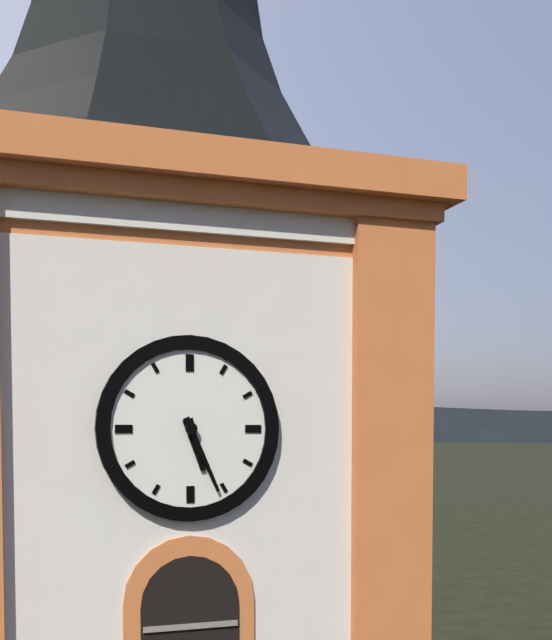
5:26
